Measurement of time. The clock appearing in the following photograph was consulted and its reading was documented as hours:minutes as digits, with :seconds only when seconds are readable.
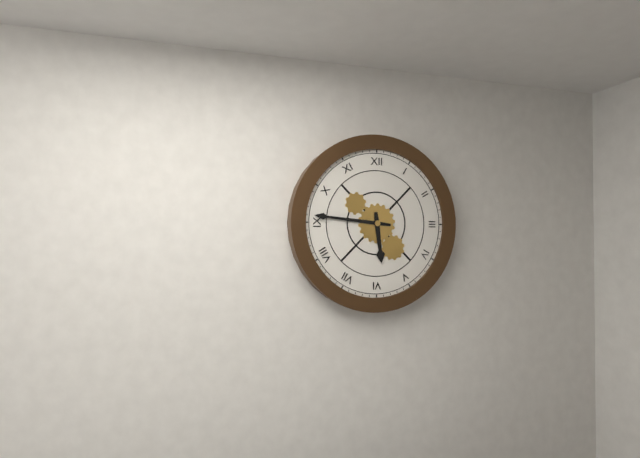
5:46
